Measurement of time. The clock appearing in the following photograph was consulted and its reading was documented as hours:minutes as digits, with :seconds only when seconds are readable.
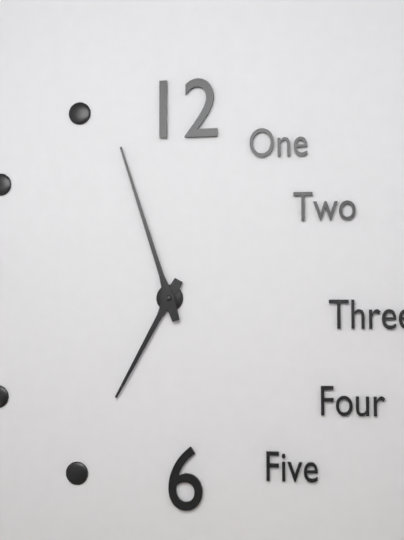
6:57
